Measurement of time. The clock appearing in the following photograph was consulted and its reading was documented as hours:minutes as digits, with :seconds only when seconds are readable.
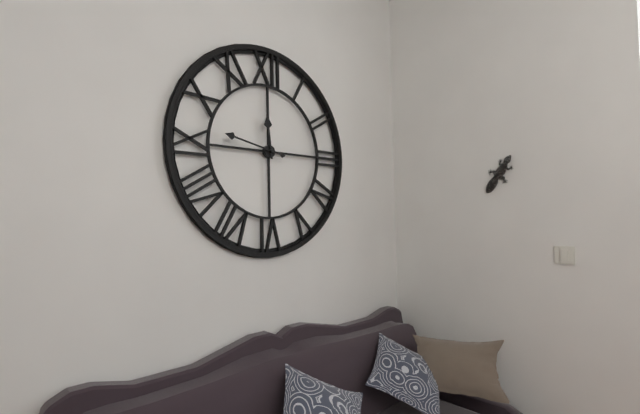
11:47
